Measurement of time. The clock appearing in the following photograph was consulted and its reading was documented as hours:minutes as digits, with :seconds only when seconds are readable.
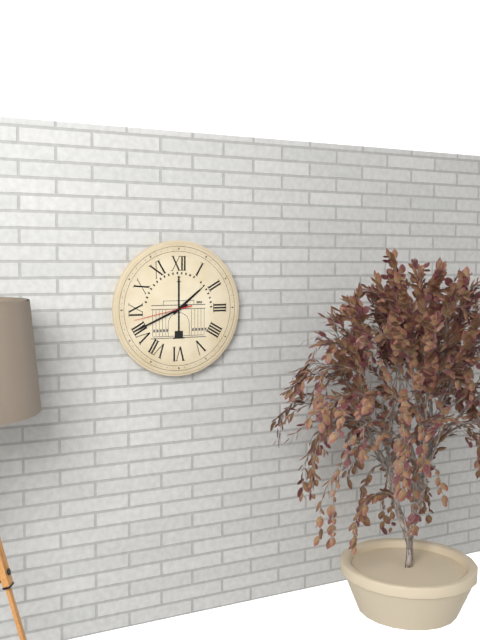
1:41:43
